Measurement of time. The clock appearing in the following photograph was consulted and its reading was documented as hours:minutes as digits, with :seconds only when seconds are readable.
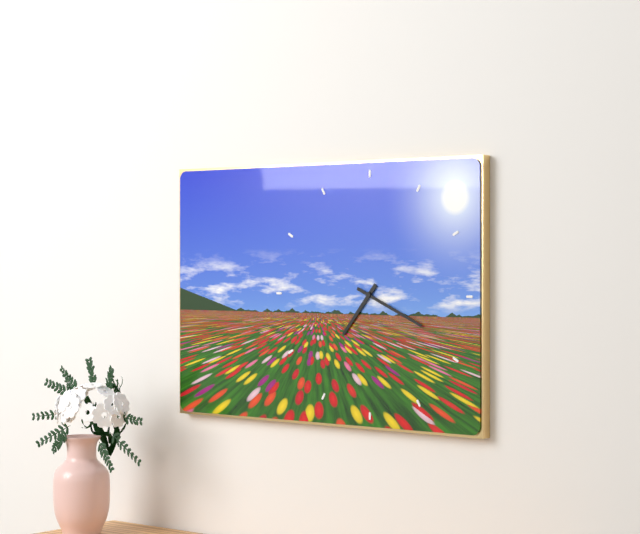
7:19
